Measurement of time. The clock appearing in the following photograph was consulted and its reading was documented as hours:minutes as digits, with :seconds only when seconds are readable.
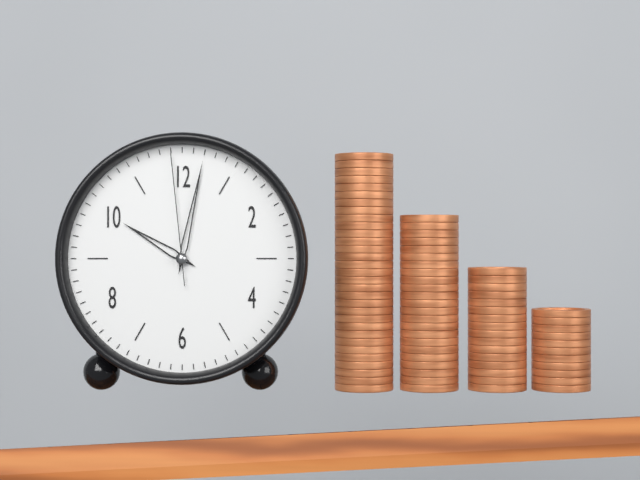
10:02:59
